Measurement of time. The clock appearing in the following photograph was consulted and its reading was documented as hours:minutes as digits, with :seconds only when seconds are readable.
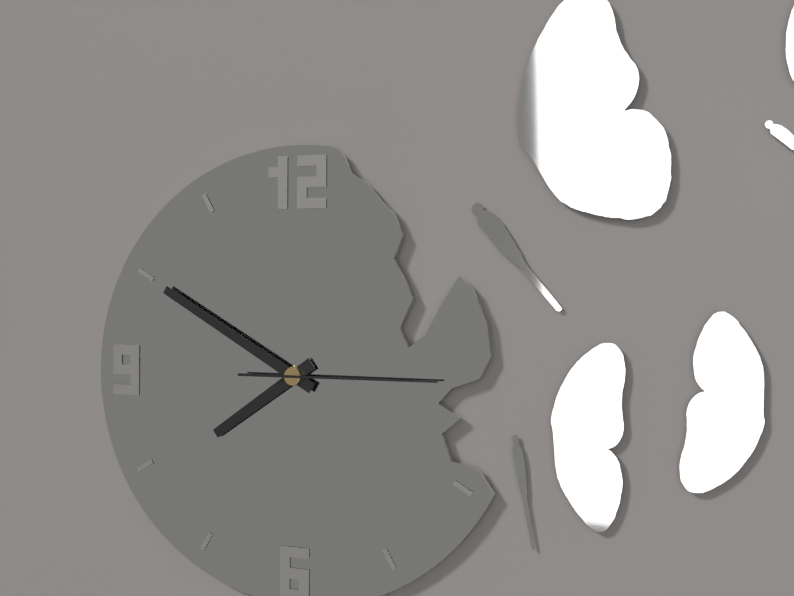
7:50:15
